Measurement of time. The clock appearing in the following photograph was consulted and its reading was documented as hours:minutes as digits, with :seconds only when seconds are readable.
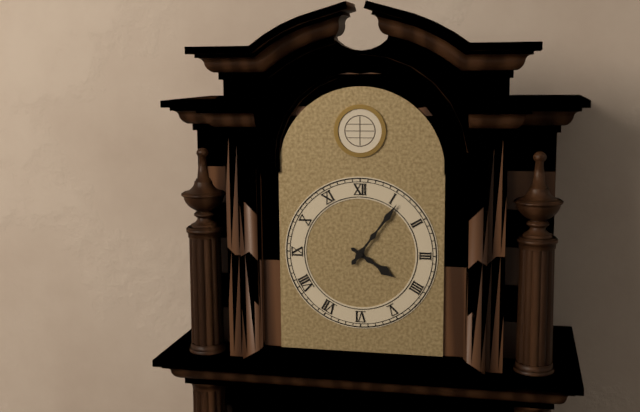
4:06
